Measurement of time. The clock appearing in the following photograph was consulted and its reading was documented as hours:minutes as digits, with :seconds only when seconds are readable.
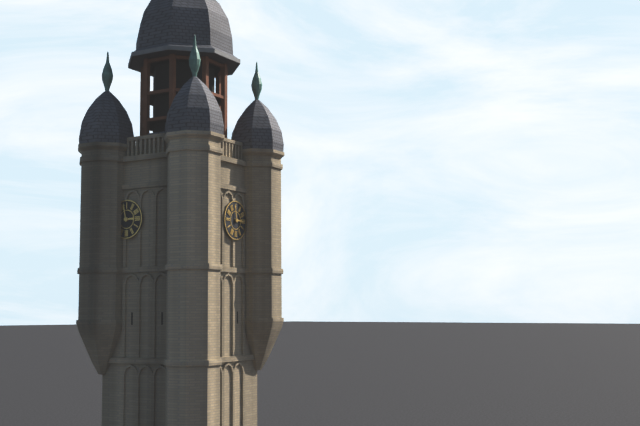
2:58
